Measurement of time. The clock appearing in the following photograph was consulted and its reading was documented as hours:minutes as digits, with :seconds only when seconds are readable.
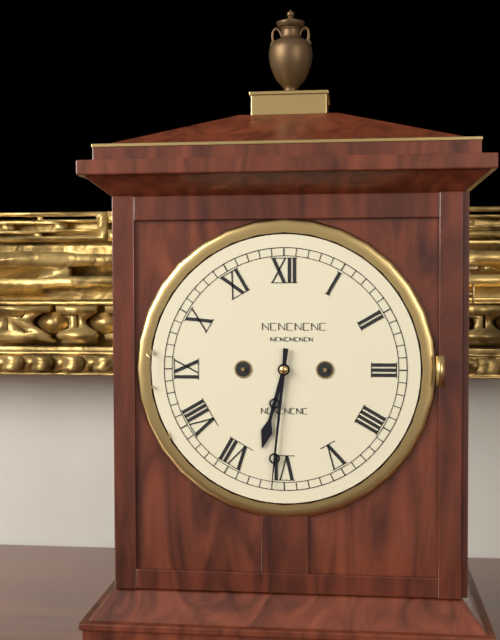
6:31
